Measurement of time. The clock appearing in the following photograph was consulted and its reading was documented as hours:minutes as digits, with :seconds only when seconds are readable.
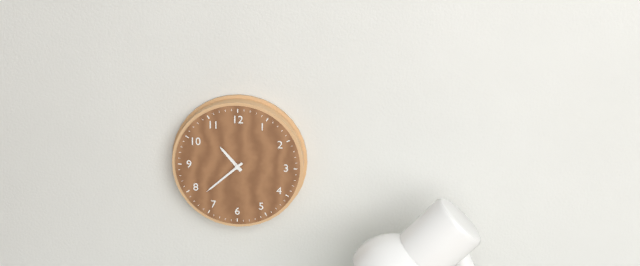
10:38
